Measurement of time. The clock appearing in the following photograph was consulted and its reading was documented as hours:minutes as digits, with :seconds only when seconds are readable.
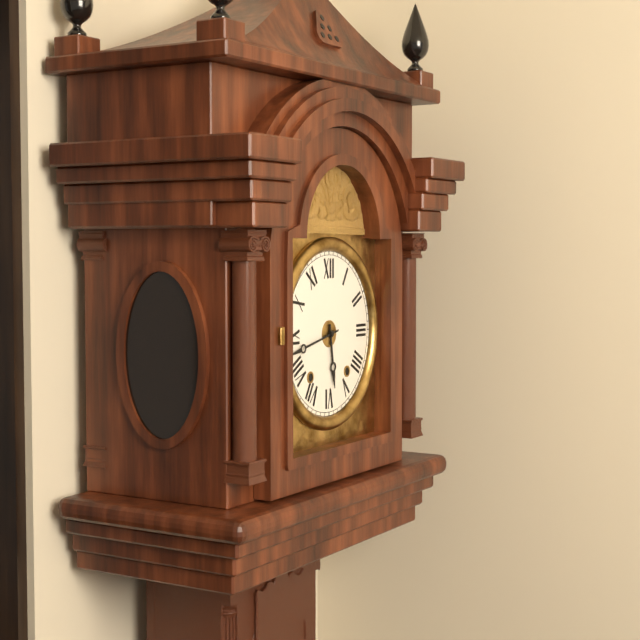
5:43
